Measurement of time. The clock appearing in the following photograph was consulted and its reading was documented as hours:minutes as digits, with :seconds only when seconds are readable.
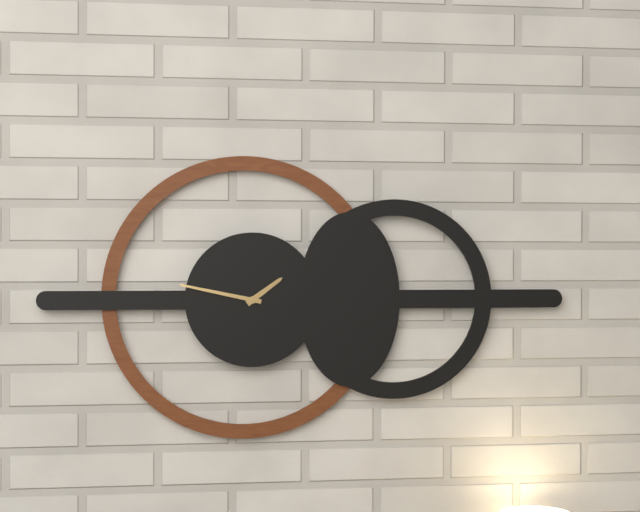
1:47
